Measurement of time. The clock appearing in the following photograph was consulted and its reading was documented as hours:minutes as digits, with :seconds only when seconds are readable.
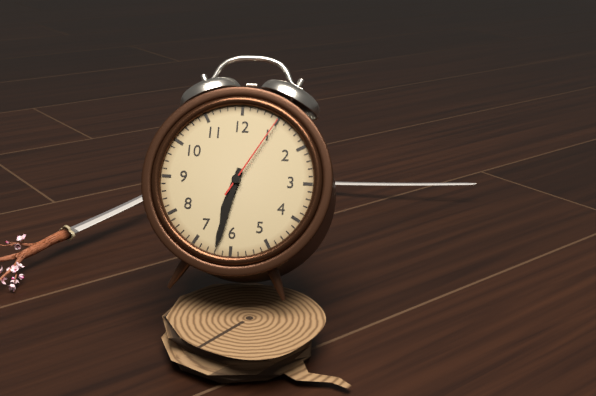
6:32:05
